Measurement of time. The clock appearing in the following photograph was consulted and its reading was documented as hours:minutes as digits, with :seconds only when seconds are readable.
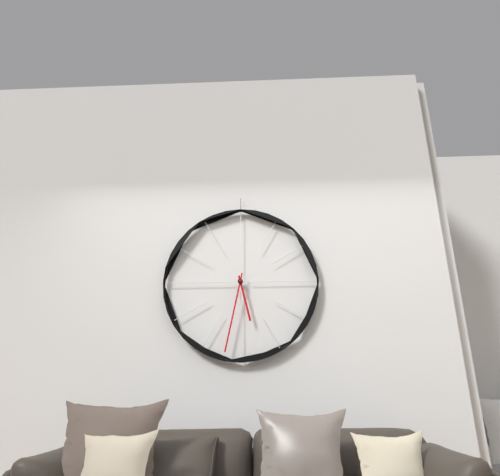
5:32
